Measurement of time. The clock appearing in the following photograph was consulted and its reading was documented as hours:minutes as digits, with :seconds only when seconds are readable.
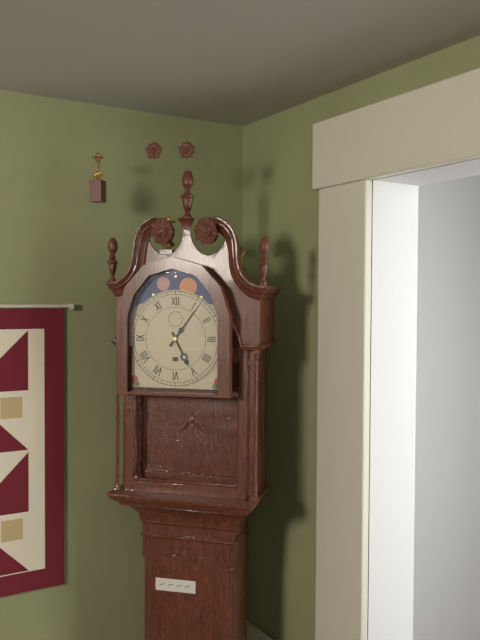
5:06
